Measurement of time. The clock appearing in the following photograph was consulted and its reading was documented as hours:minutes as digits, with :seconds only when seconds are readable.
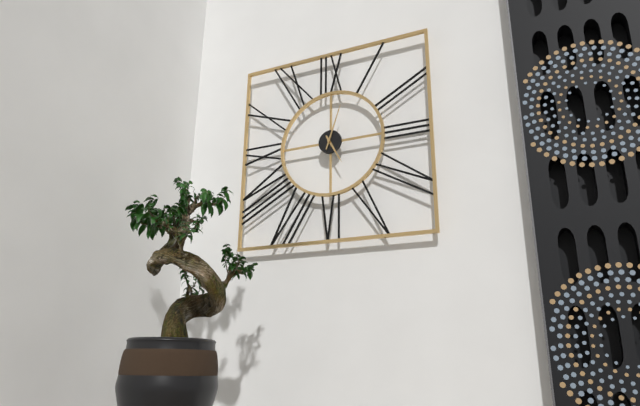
5:03
